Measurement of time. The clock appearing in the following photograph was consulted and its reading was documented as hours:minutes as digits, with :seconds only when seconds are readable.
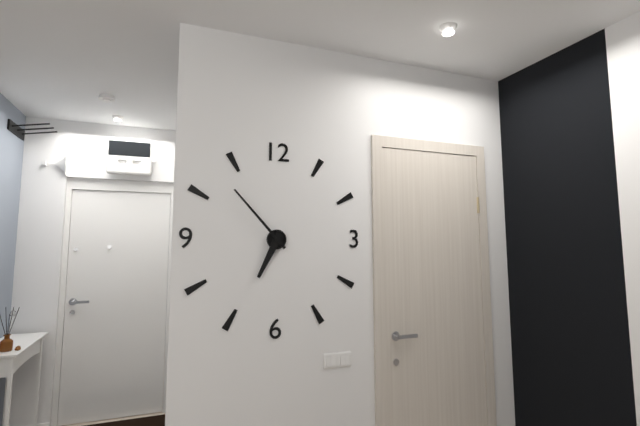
6:53
